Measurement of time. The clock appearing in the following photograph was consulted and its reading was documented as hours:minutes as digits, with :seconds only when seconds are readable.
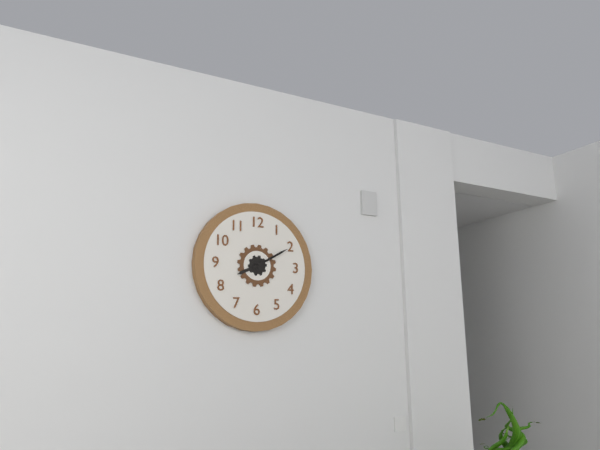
8:10
